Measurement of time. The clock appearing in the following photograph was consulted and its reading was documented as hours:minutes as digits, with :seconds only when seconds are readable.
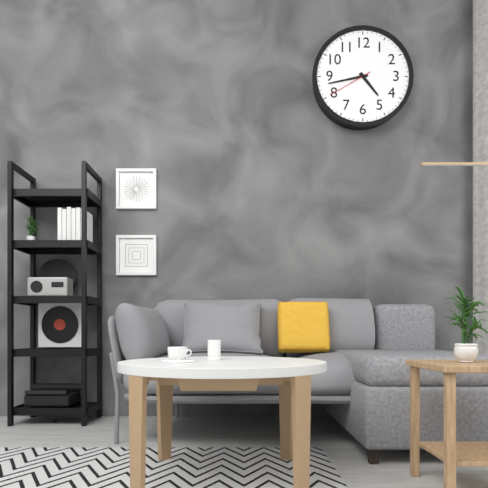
4:43
